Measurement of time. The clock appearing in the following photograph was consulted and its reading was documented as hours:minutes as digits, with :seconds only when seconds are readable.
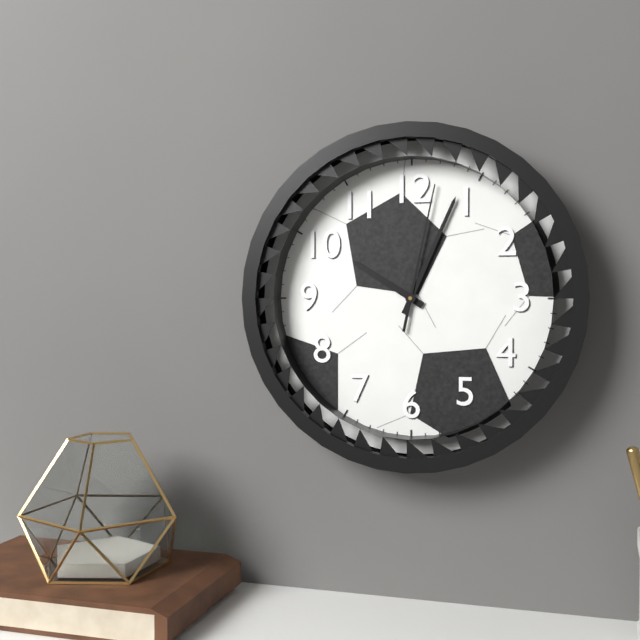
10:04:02
